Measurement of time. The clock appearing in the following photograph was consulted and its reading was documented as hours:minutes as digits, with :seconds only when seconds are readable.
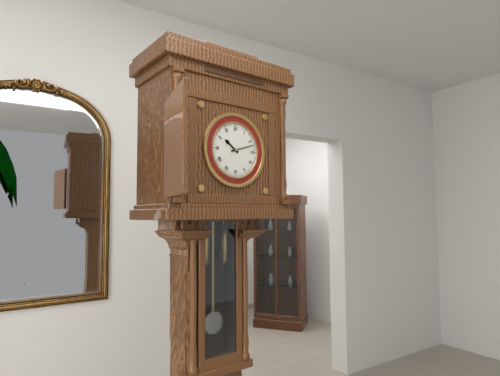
10:12
